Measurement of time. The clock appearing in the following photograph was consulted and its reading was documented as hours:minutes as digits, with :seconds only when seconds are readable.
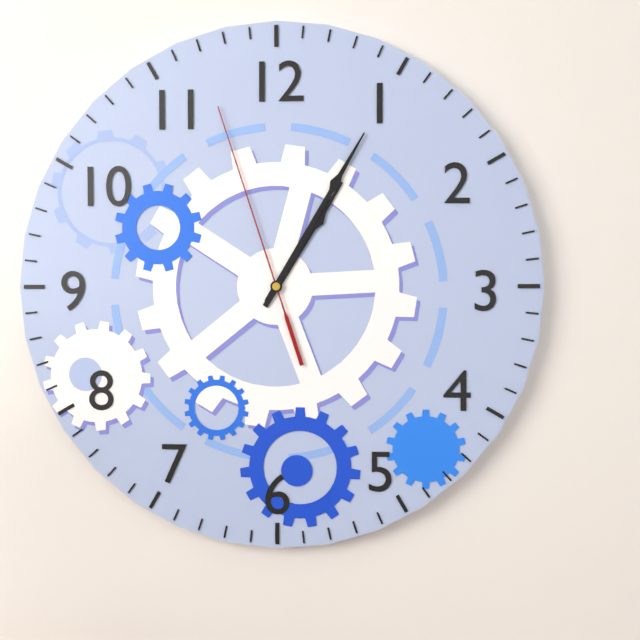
1:05:57
